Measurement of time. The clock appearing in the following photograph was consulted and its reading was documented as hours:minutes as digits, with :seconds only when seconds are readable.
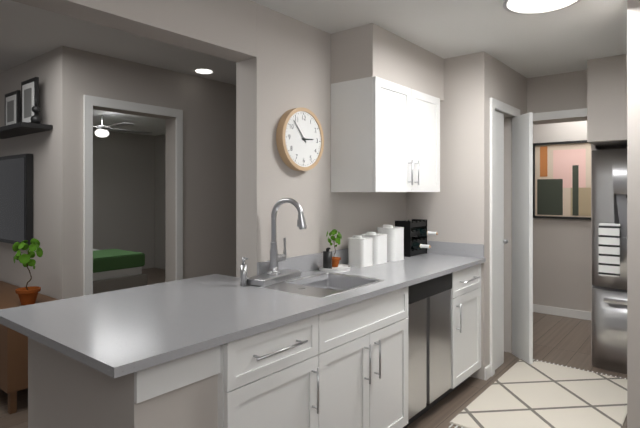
2:53
